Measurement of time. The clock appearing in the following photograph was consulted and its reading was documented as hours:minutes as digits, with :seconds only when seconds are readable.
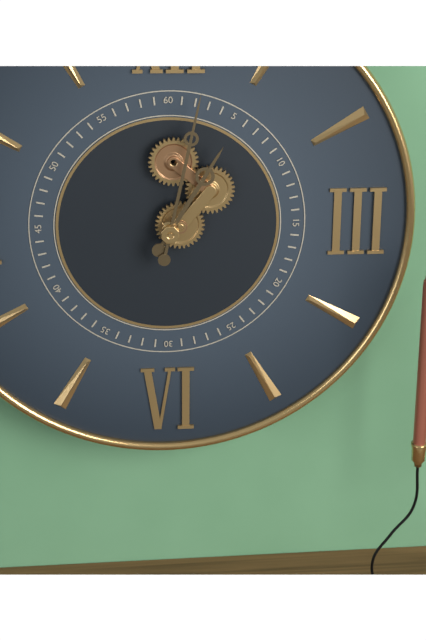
1:02
